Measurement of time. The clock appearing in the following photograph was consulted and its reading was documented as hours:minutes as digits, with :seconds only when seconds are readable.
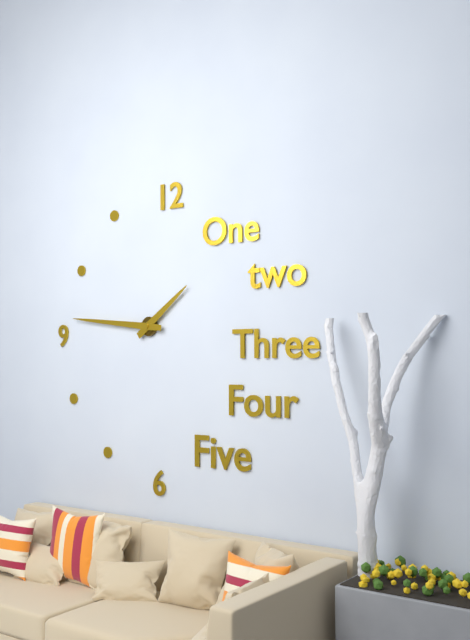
1:46
